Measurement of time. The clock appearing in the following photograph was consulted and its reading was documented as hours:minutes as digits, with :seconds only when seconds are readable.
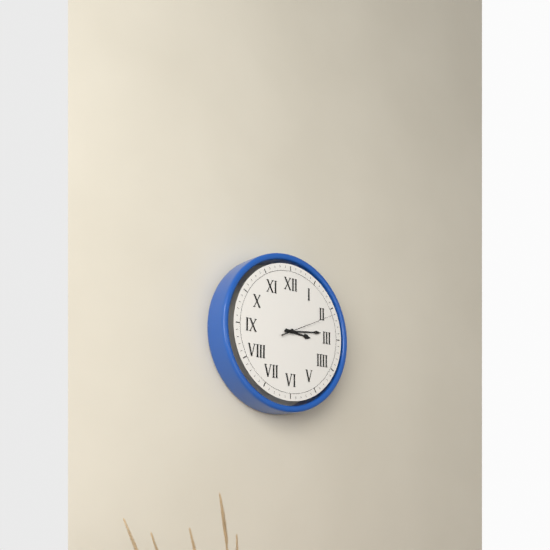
3:14:11
